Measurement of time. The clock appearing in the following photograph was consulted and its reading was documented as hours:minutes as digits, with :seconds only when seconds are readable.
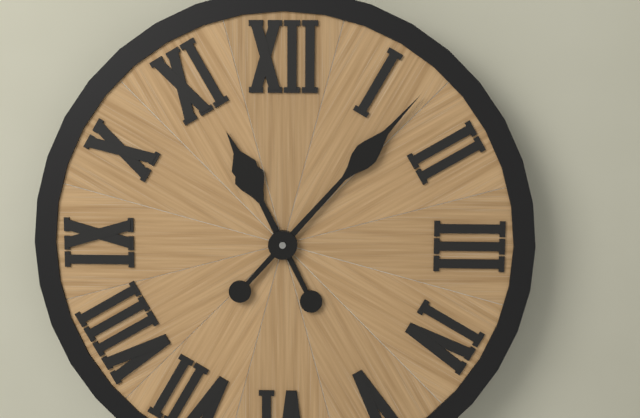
11:07
